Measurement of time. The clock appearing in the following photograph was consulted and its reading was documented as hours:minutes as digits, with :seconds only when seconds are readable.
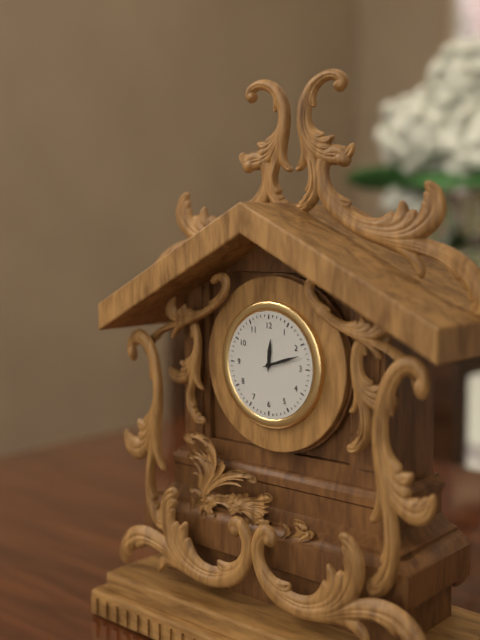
12:12
